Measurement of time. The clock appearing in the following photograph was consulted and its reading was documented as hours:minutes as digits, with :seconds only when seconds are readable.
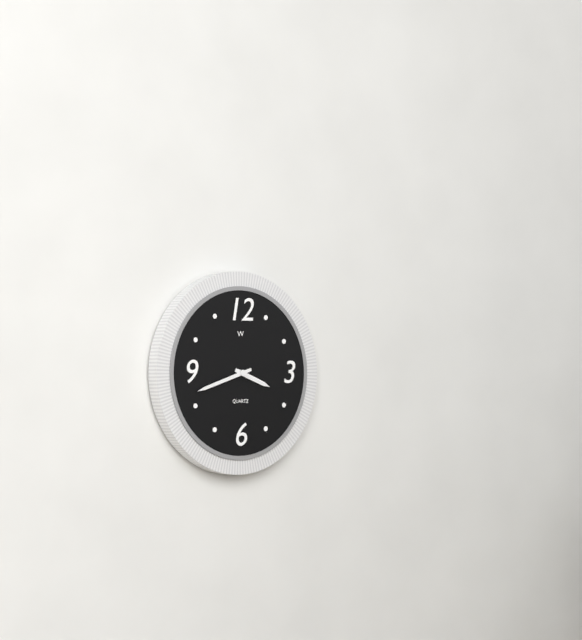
3:42
